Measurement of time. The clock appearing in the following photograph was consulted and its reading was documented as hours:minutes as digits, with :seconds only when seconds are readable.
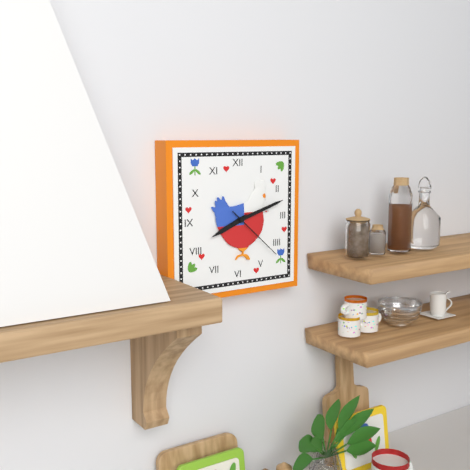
8:12:22
